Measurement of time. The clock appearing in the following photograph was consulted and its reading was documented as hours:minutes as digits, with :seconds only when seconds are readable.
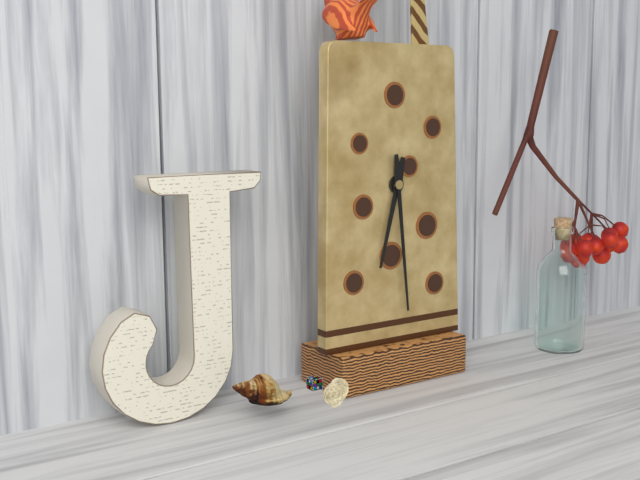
6:29
